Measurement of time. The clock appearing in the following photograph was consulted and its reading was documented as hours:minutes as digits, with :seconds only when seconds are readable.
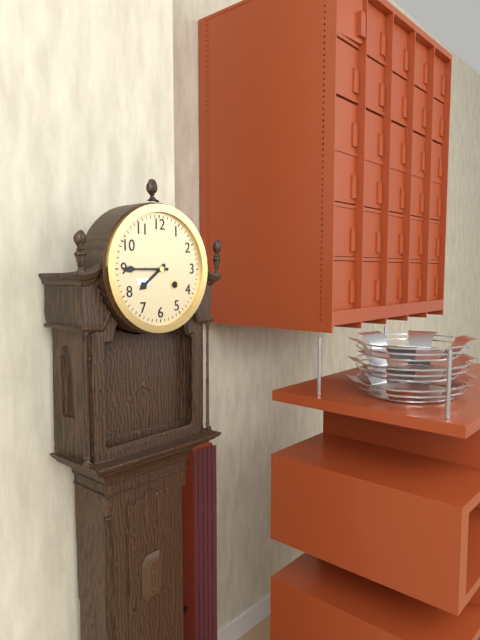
7:45
